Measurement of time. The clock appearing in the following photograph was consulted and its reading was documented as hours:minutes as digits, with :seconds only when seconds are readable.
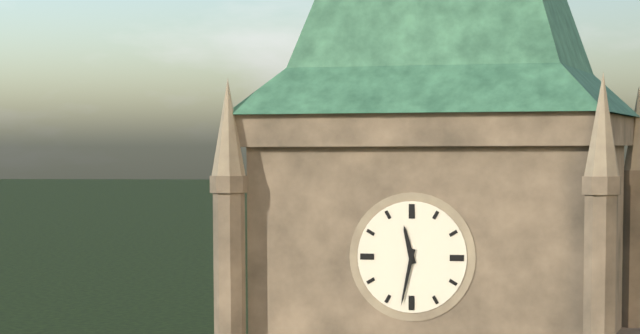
11:32
